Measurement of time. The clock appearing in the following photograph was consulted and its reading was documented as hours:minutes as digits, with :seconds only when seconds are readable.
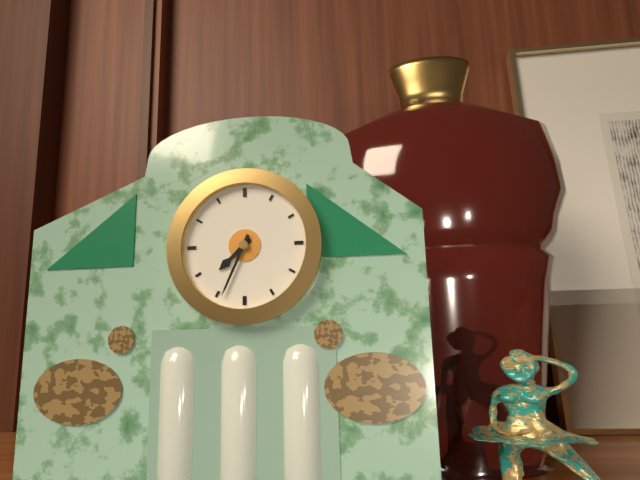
7:34
